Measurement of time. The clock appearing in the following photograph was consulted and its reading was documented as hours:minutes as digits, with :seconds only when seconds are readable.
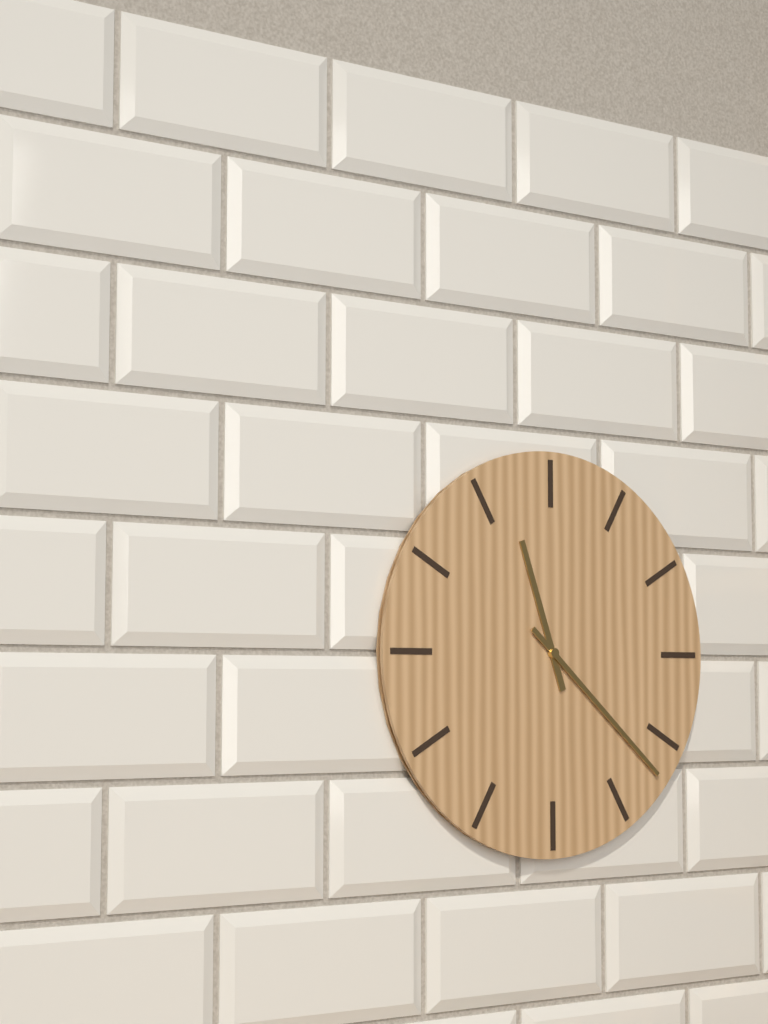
11:22
